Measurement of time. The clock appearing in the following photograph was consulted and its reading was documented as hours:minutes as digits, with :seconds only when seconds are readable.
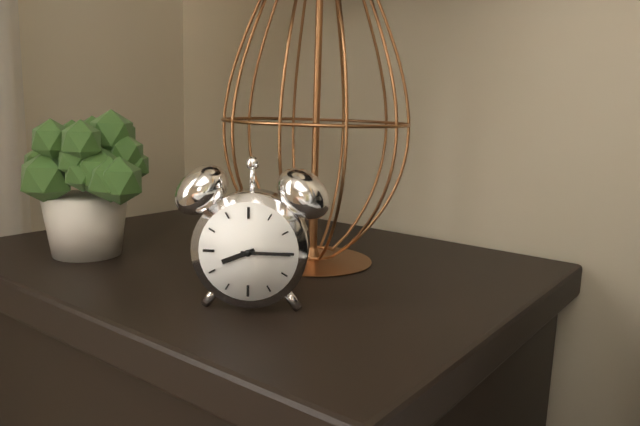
8:15
